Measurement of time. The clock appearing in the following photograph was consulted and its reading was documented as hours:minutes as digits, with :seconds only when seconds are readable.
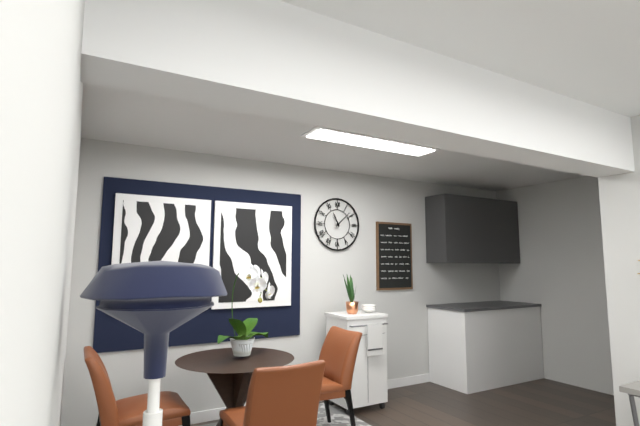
11:08
